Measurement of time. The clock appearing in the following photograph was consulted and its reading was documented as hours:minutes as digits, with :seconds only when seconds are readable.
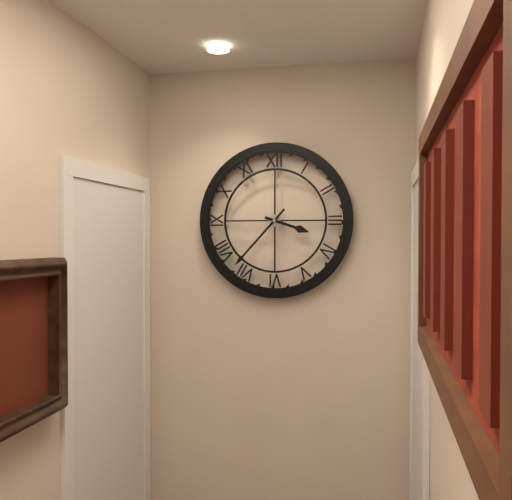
3:37
